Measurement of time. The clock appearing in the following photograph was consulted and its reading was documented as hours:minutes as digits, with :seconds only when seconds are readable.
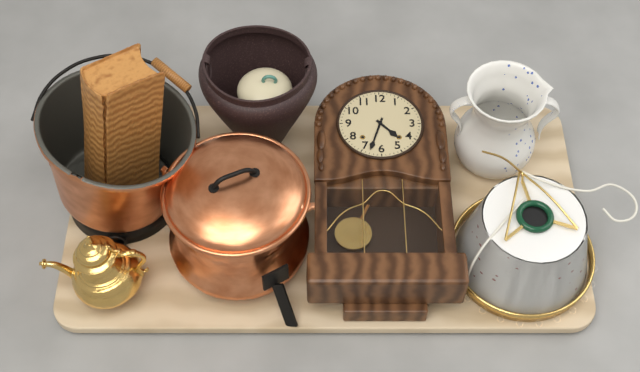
4:33
